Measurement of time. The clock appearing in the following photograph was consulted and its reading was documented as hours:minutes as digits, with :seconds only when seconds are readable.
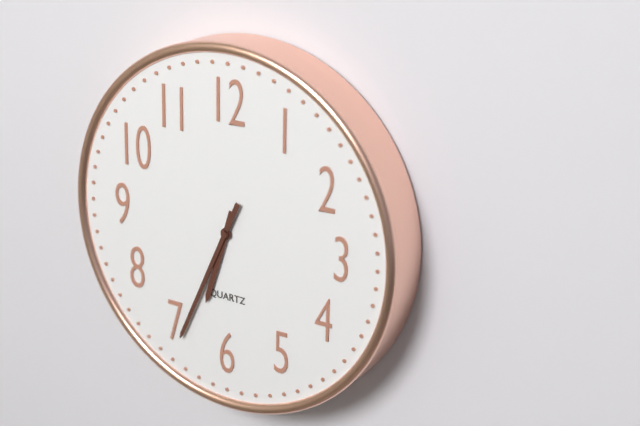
6:34
